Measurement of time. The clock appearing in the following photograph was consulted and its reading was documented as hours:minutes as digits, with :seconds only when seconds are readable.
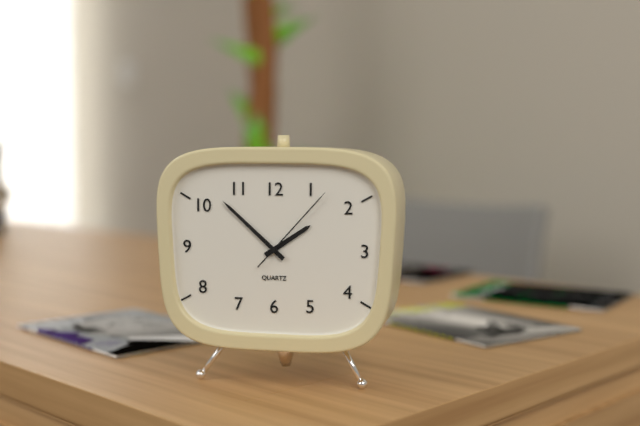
1:52:07
